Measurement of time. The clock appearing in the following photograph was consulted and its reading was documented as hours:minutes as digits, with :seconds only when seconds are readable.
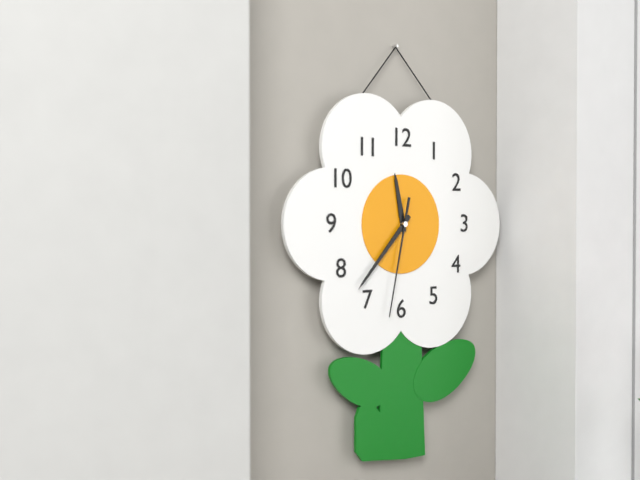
11:37:32
